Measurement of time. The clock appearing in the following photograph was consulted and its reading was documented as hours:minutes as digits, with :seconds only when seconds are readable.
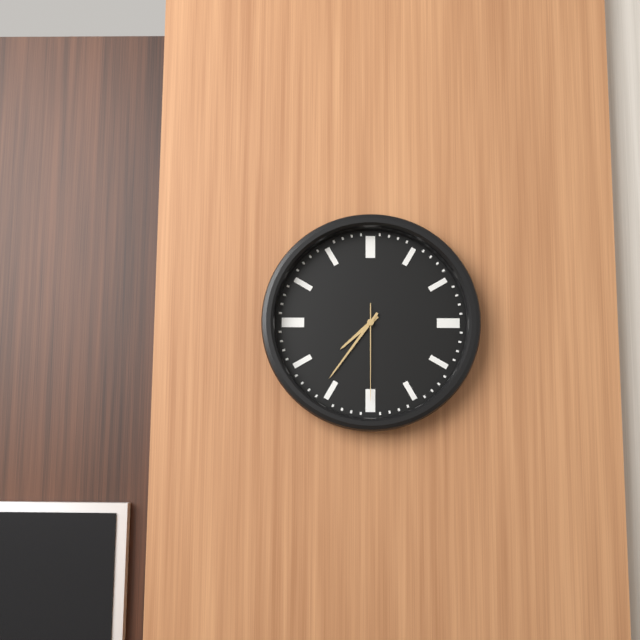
7:36:30
